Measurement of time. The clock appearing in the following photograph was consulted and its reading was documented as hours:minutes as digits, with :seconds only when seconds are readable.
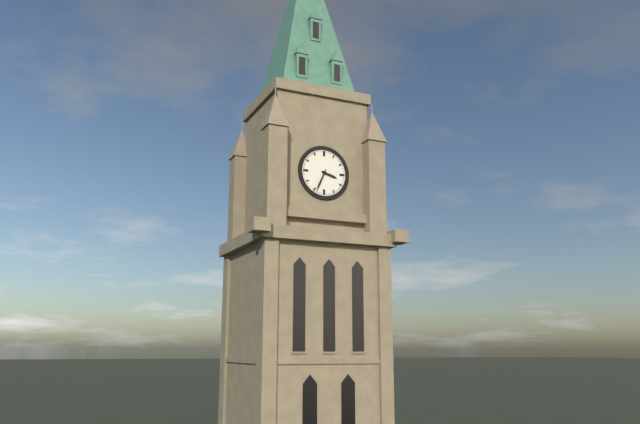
3:34
